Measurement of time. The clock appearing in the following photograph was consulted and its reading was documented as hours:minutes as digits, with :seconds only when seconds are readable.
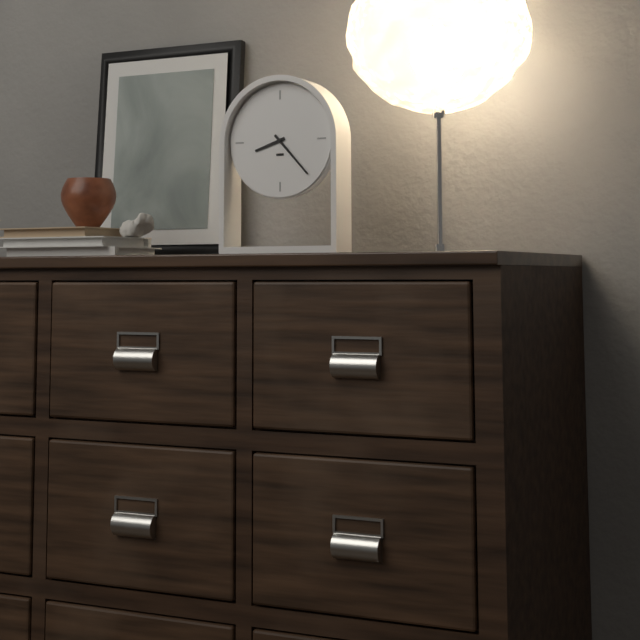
8:23
